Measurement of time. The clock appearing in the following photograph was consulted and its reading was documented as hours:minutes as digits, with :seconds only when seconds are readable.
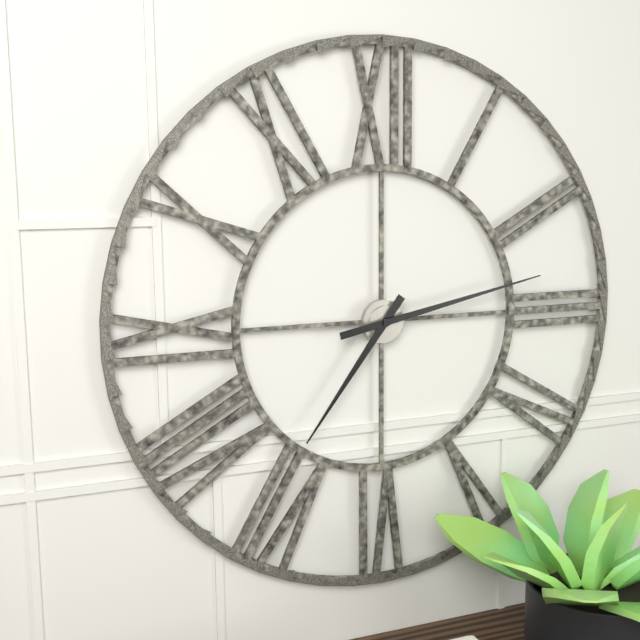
7:13
